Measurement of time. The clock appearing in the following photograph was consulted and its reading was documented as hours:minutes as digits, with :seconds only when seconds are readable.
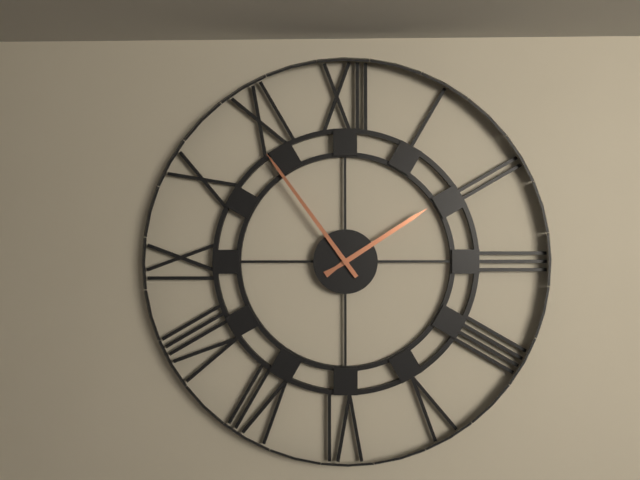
1:54
